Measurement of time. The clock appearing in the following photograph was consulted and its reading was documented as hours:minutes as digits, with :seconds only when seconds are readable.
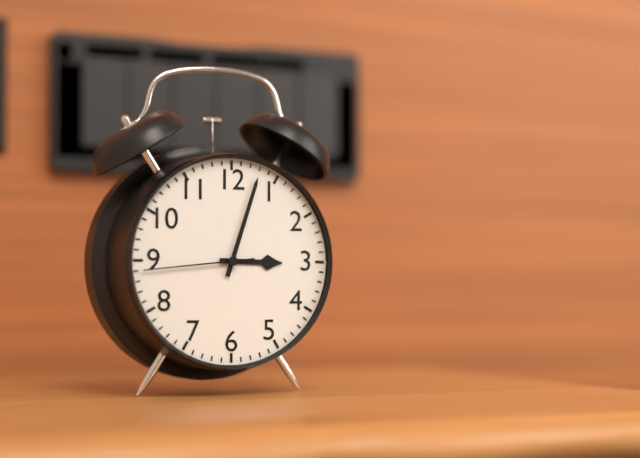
3:03:44
